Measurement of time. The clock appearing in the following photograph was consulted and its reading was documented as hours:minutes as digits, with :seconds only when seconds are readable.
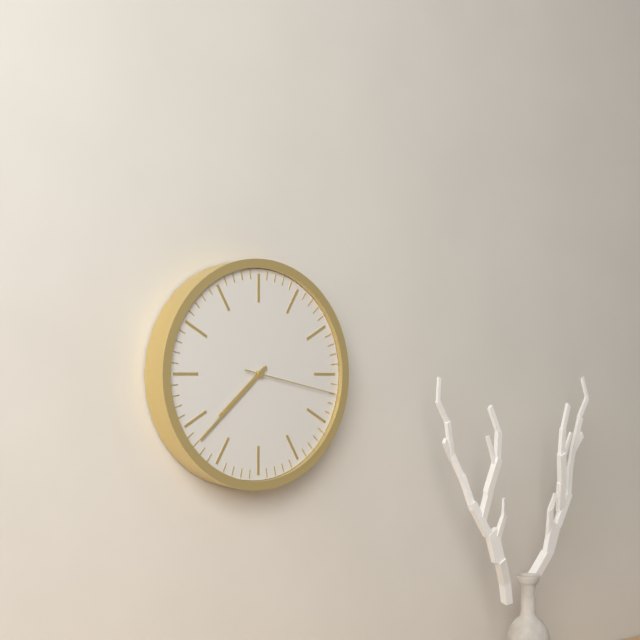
7:38:17
